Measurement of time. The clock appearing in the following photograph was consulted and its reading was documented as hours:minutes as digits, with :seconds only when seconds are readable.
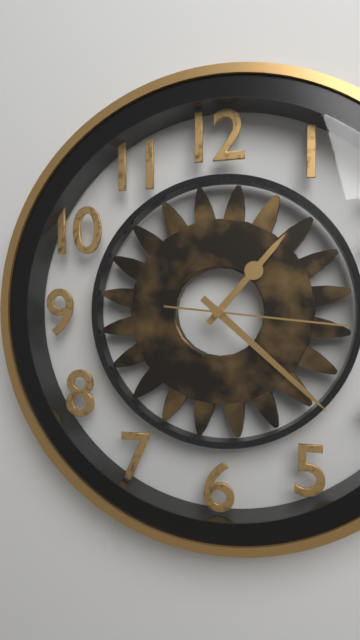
1:22:16
